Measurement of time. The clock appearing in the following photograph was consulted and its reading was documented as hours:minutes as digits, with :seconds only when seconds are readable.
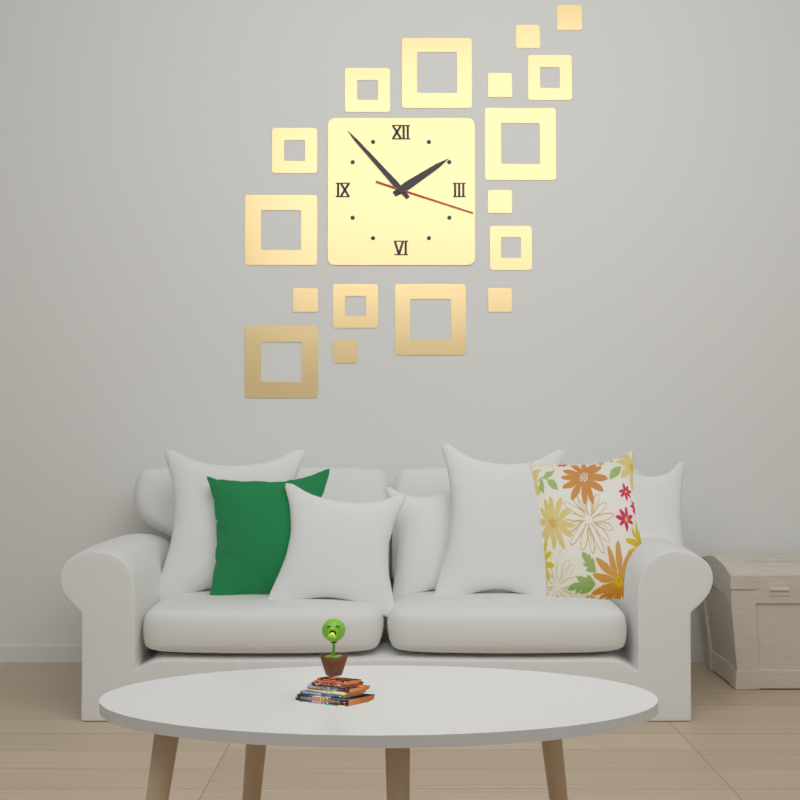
1:53:18
